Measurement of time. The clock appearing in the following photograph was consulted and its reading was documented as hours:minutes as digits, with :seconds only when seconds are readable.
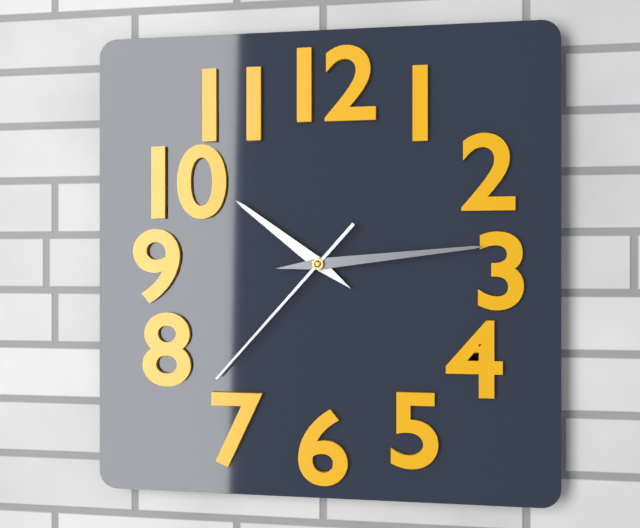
10:14:37
